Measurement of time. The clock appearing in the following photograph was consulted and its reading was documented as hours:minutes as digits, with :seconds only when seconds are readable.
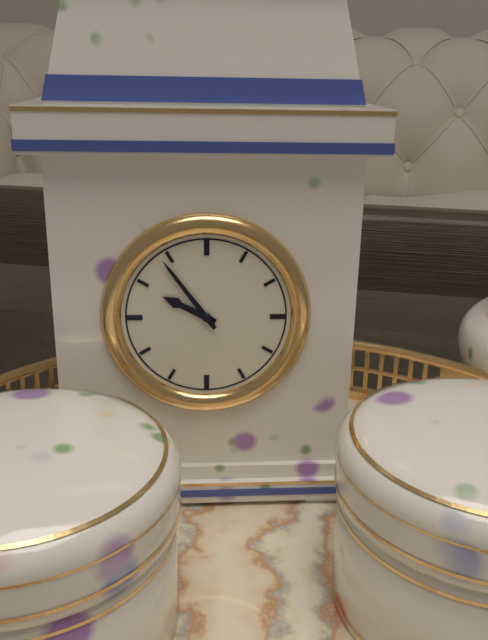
9:54
